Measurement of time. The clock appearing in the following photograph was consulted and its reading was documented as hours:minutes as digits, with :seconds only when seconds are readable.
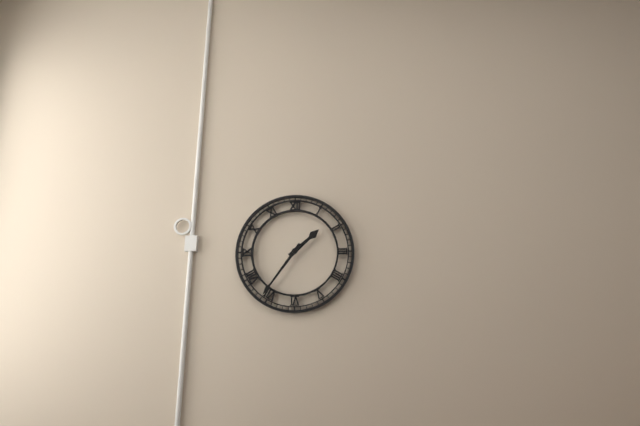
1:36
